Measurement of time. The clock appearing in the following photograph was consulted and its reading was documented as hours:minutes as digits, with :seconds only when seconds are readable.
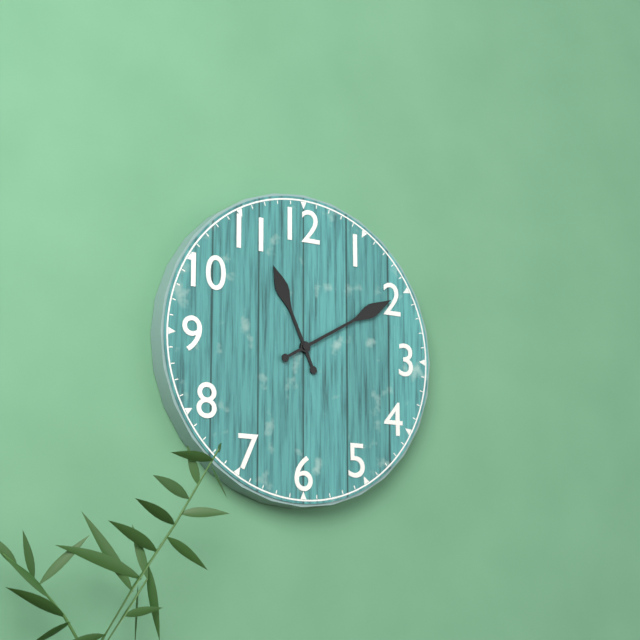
11:10
